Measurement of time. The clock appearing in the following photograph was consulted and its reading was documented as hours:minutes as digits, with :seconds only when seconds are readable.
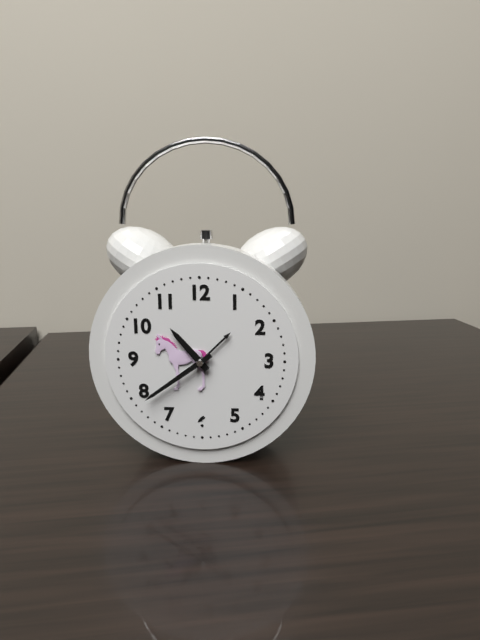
10:39
